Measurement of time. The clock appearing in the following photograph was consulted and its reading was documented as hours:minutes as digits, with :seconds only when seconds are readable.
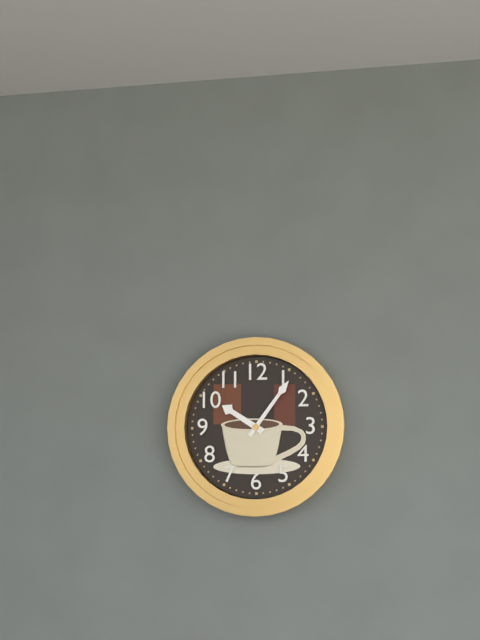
10:06
